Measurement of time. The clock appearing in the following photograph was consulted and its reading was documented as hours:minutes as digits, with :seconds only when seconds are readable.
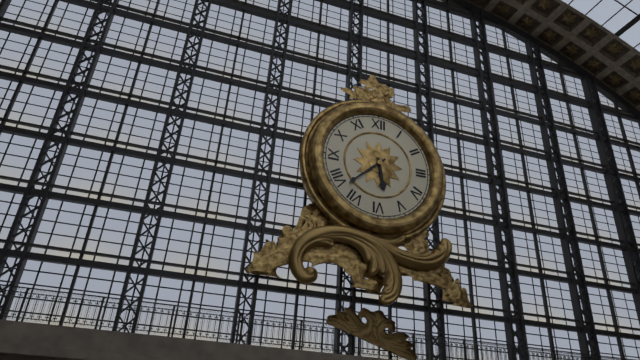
5:38
